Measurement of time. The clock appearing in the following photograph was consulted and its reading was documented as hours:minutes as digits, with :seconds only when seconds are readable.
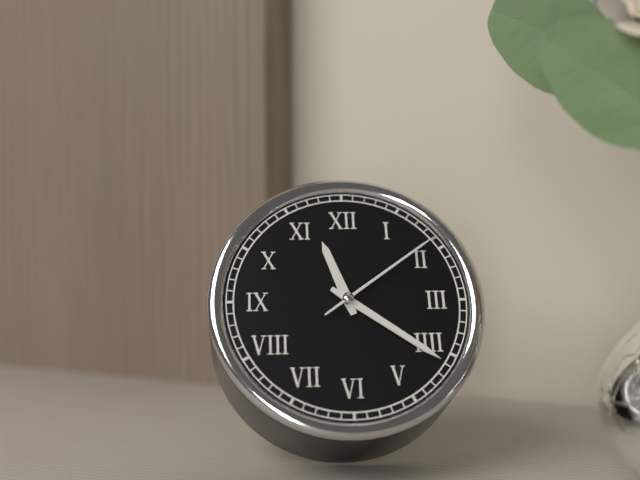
11:21:09
